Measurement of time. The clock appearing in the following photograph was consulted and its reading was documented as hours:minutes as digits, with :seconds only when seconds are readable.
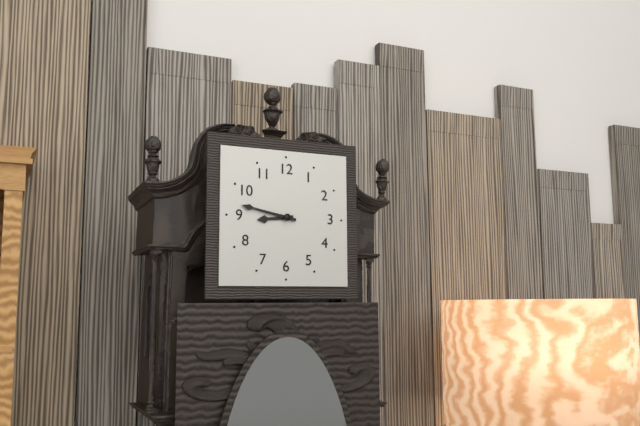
8:47
